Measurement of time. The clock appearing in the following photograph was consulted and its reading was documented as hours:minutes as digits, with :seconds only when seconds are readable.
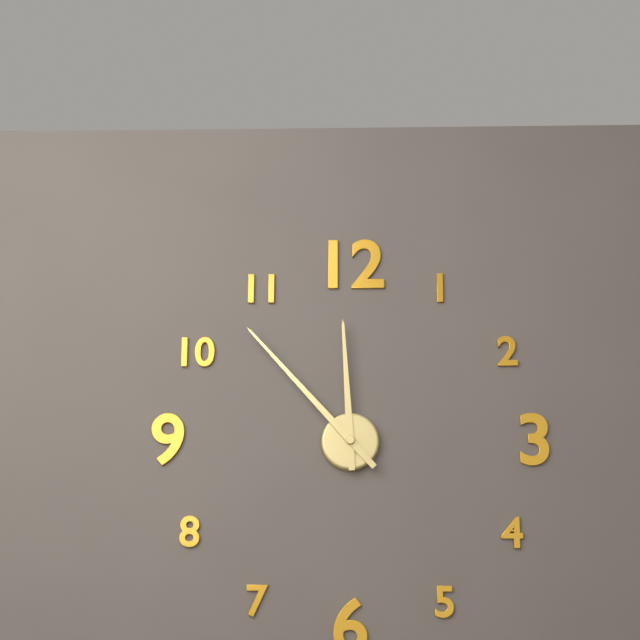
11:53
